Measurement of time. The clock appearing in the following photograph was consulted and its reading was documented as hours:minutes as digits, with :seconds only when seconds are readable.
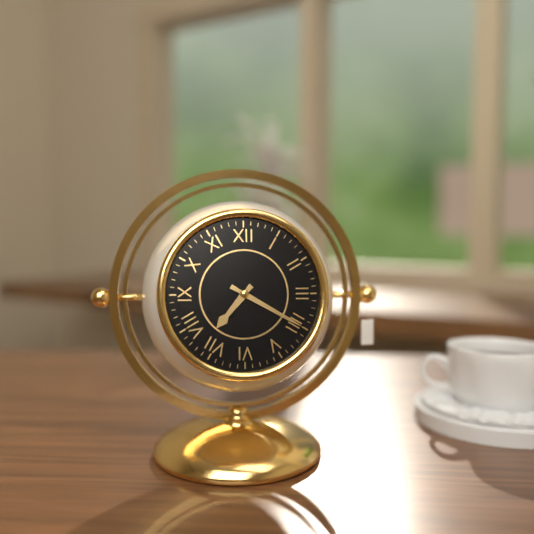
7:20
